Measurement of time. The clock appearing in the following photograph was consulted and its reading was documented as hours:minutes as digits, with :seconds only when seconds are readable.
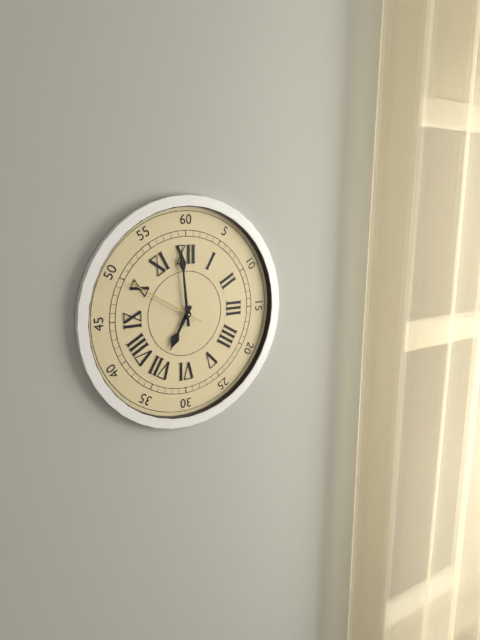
6:59:50
